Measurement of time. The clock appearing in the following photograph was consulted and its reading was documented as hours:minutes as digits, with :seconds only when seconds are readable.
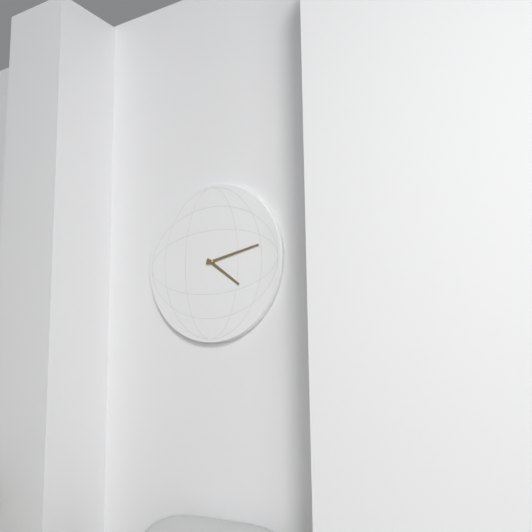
4:13
